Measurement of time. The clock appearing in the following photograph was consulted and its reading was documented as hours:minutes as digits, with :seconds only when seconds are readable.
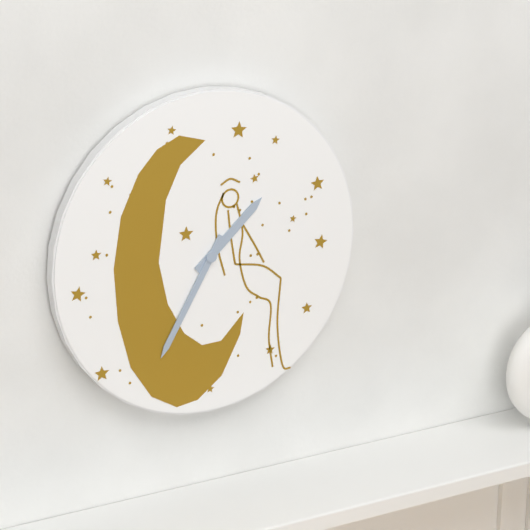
1:35
